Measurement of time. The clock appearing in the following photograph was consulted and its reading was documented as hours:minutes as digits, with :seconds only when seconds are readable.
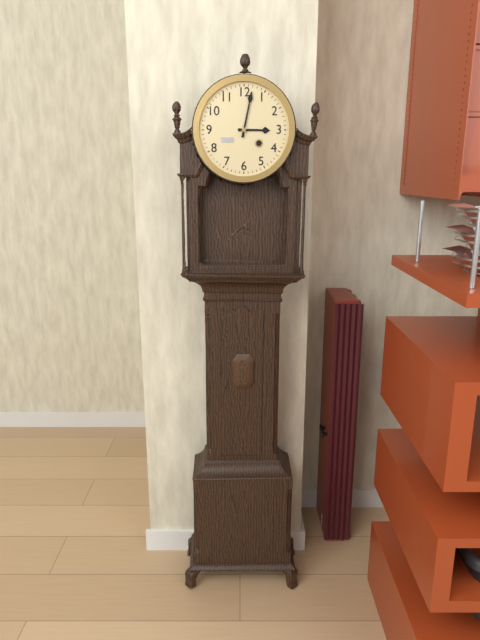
3:02
